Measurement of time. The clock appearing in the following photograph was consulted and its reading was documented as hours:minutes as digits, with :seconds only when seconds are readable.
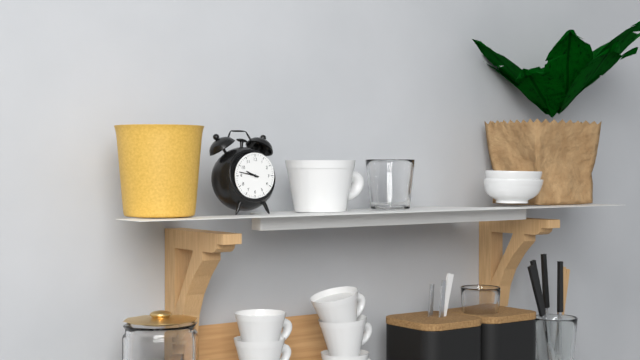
9:47
